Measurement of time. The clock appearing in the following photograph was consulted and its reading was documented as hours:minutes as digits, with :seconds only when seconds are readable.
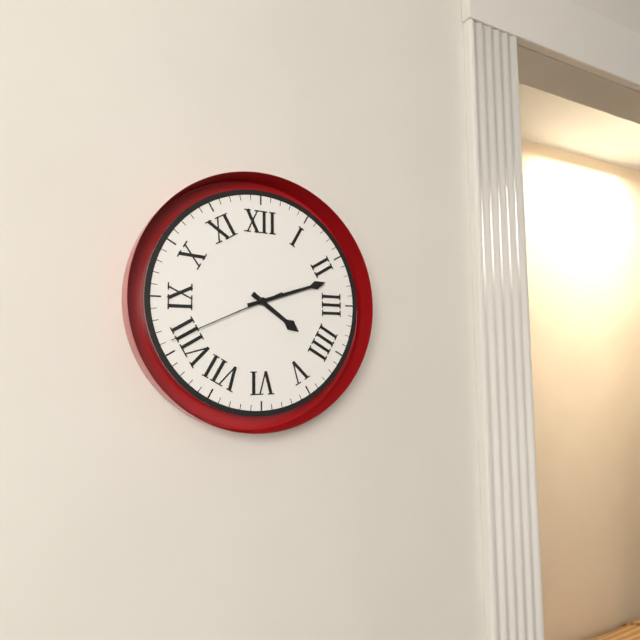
4:12:41
